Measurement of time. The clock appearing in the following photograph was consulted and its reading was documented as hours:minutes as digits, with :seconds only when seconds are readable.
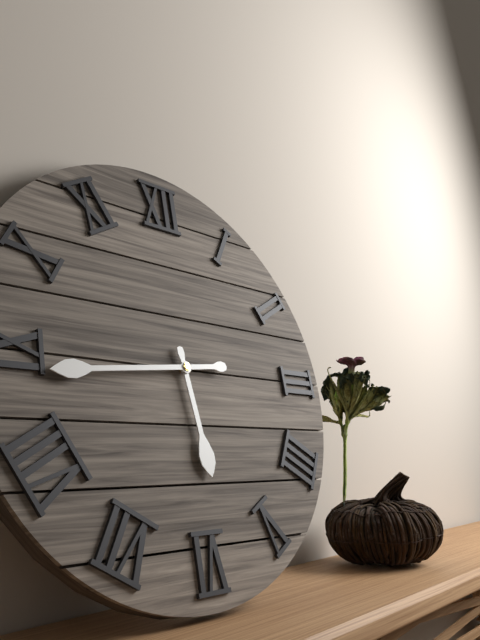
5:44
